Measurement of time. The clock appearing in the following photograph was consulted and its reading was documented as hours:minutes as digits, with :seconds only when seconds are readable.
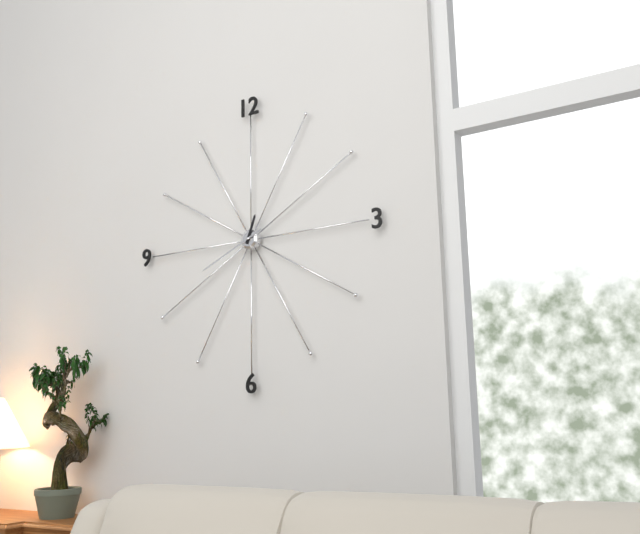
12:41
